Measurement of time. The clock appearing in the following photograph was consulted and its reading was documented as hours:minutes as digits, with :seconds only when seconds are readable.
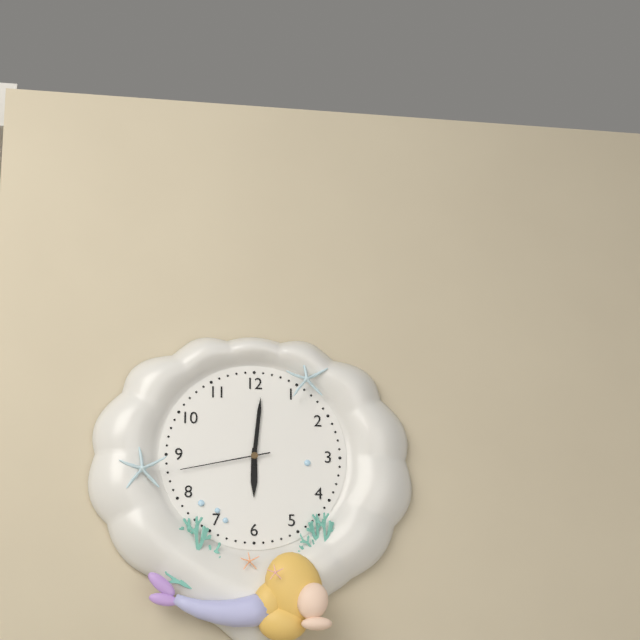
6:01:43
